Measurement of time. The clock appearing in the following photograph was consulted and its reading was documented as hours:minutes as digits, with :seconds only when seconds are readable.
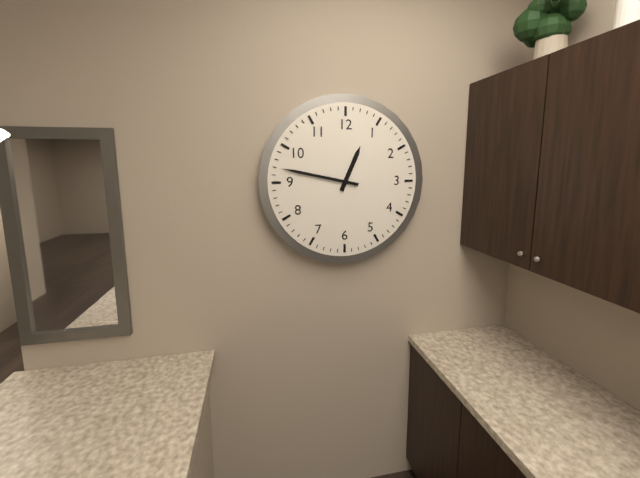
12:47
